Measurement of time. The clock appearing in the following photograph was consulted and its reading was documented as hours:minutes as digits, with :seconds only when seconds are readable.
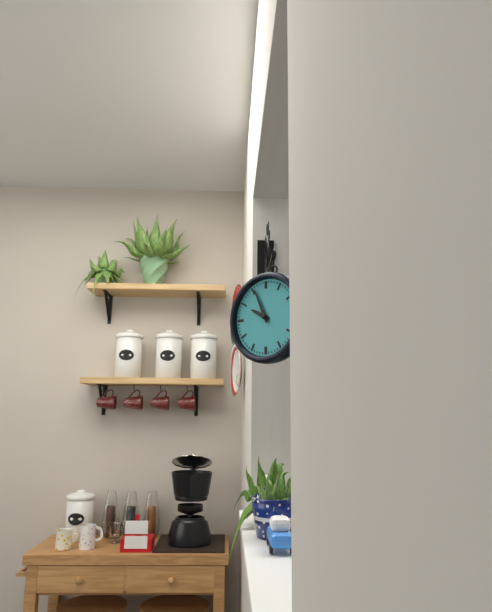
9:56
